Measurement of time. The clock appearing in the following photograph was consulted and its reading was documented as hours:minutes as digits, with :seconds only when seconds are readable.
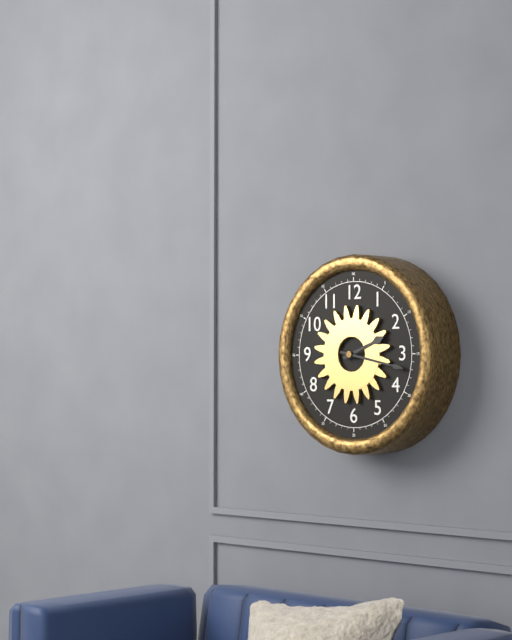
2:17
